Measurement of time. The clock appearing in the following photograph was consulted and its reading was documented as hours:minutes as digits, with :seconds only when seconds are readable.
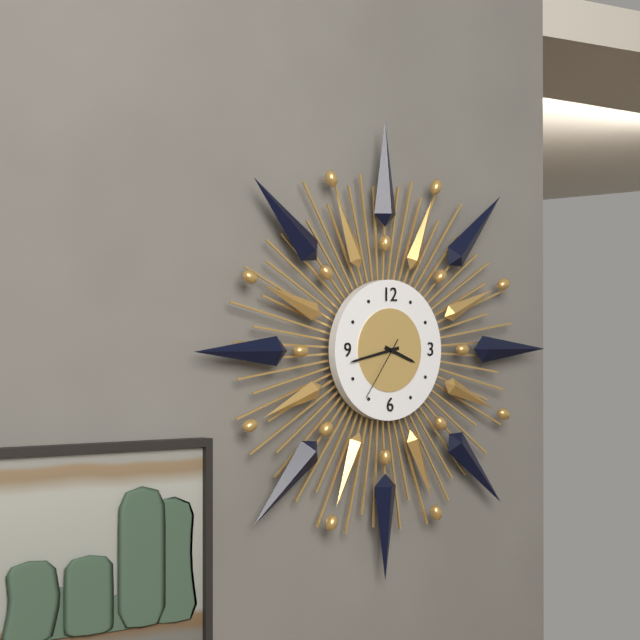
3:43:36
